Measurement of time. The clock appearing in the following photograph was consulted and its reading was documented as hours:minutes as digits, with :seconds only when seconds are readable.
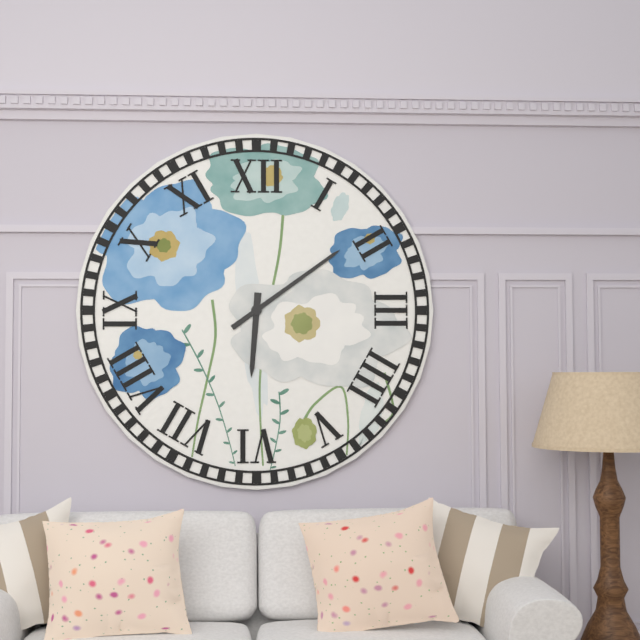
6:09
